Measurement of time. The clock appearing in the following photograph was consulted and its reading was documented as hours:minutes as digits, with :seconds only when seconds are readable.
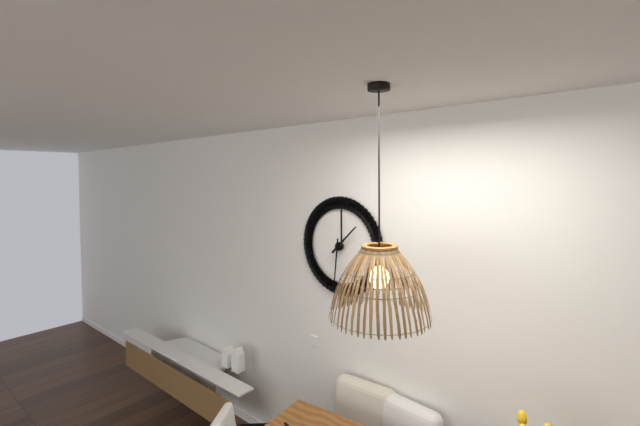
1:31
